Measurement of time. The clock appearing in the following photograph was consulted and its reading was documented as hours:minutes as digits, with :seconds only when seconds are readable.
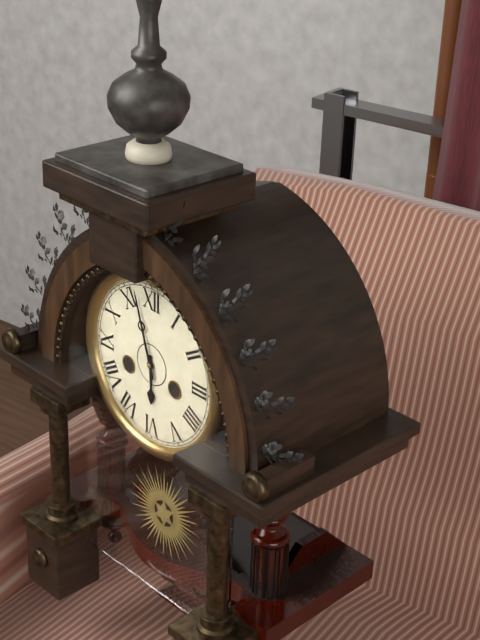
5:57
